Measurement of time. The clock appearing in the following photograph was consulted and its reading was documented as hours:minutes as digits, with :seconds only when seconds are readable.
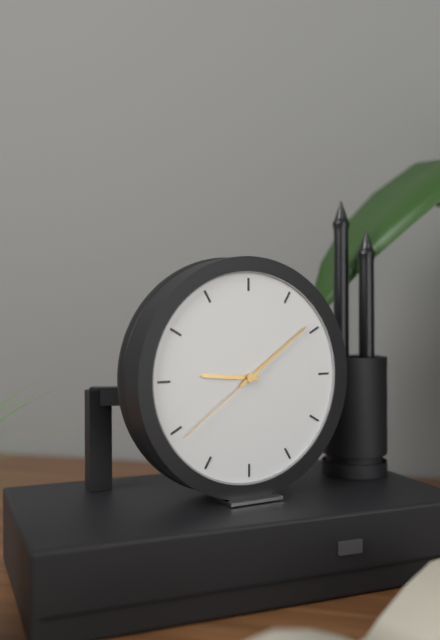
9:09:39
